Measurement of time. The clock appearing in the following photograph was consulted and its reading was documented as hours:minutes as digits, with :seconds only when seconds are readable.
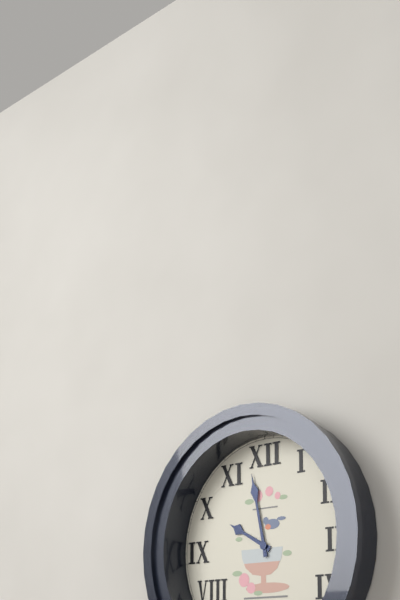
9:58
